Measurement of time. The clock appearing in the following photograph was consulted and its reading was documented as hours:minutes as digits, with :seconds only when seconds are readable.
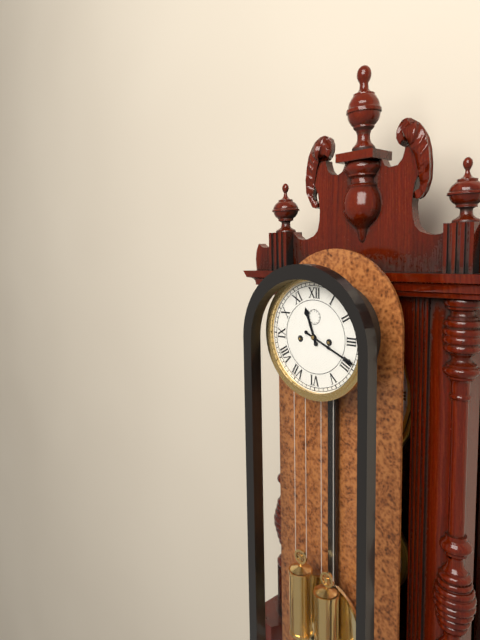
11:19
